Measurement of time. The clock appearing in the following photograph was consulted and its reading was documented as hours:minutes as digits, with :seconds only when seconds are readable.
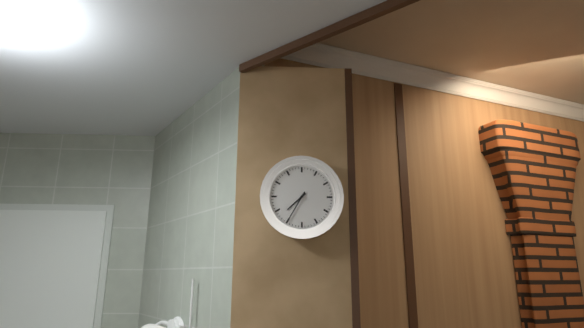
7:35
